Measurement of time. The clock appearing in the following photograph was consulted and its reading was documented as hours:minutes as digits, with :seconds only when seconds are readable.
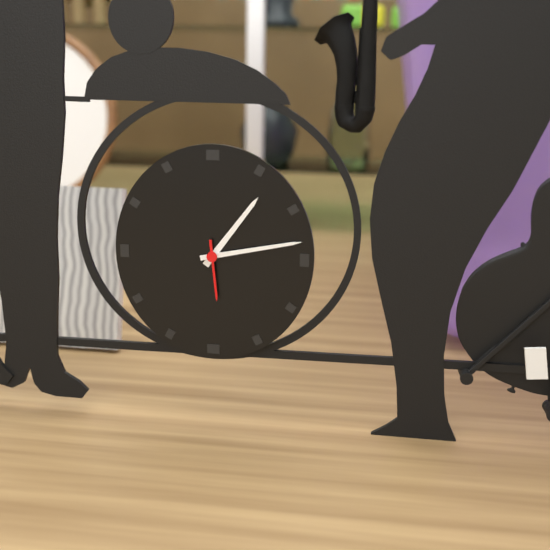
1:13:29
